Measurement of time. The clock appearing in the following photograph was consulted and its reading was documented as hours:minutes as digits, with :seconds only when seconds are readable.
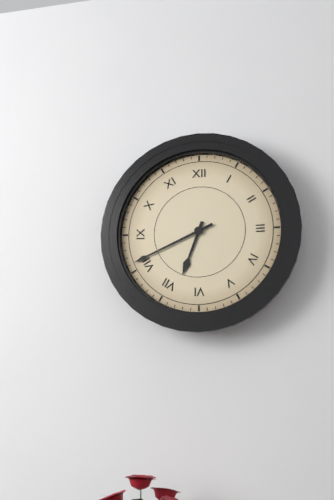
6:41
